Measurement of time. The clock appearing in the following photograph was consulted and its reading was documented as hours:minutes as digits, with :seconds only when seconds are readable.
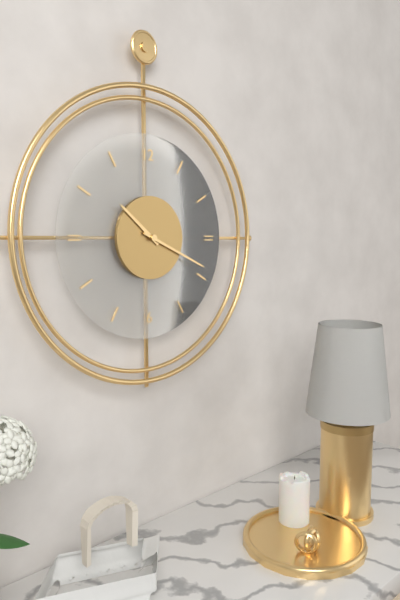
10:19
